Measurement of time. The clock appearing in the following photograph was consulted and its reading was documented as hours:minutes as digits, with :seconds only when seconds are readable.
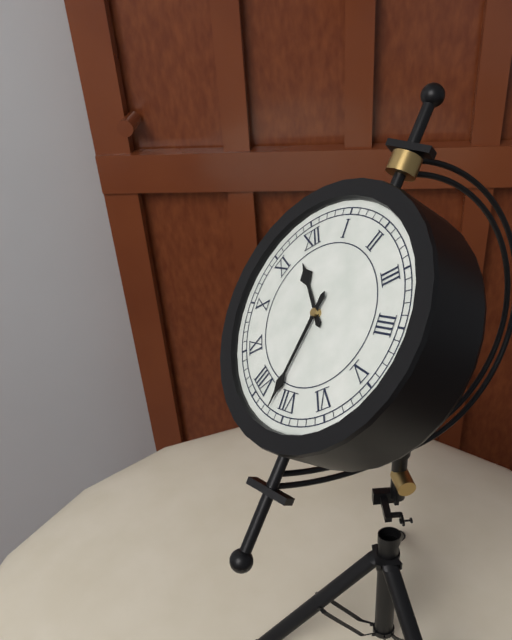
11:37
